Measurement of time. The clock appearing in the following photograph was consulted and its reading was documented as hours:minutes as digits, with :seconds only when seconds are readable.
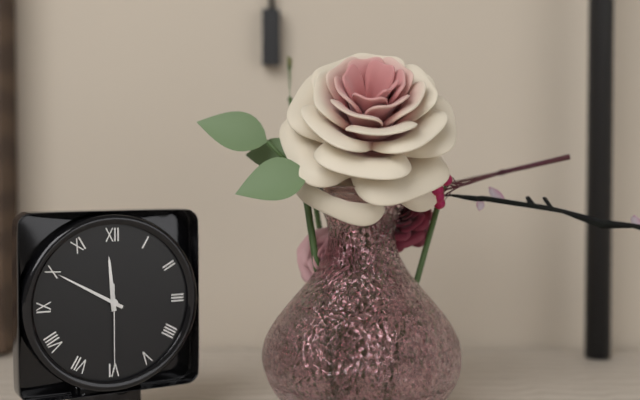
11:50:30
